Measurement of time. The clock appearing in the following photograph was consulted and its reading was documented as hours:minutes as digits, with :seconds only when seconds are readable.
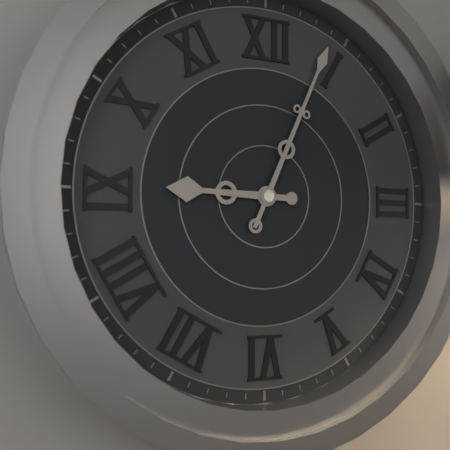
9:04
